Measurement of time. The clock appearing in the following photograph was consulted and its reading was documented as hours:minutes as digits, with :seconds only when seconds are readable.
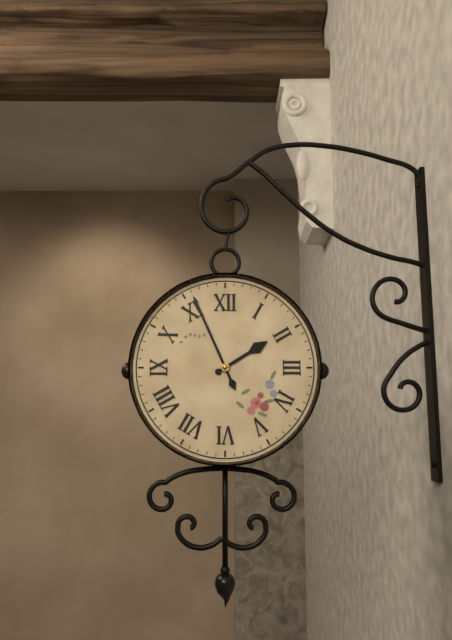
1:56
